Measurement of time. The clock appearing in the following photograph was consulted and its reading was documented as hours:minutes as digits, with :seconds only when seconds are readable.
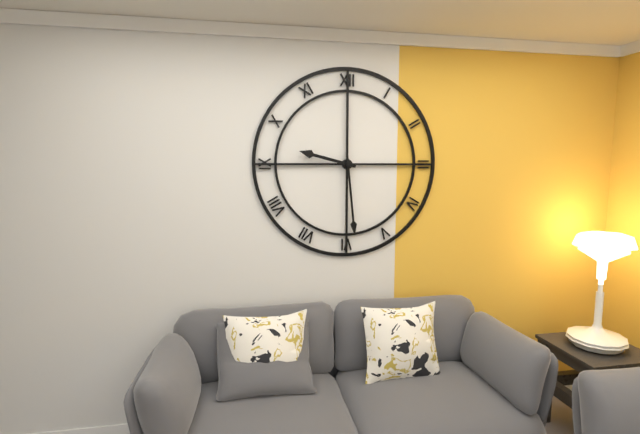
9:29
